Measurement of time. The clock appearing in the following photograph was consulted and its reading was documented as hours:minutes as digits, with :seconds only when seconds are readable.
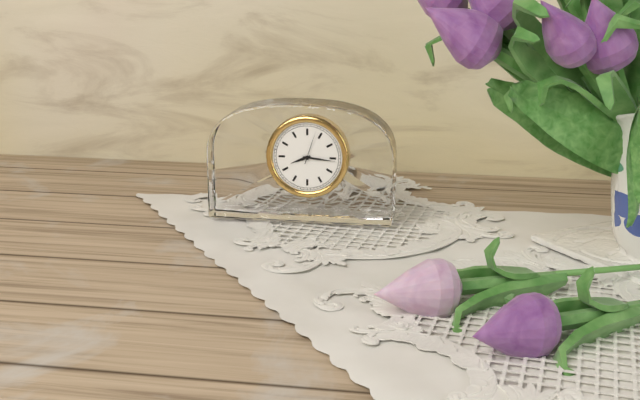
8:16
